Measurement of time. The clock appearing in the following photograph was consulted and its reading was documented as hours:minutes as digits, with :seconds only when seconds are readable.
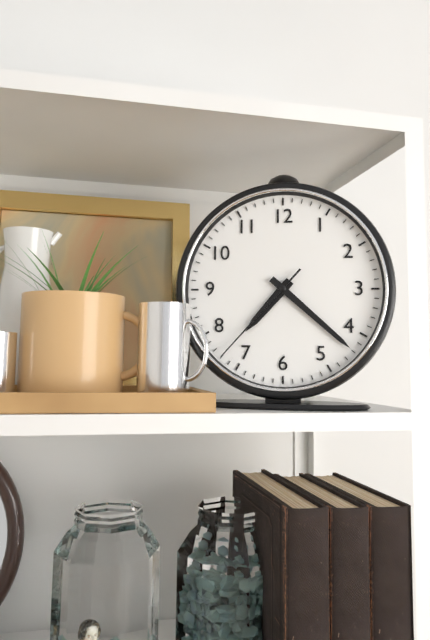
7:22:37
